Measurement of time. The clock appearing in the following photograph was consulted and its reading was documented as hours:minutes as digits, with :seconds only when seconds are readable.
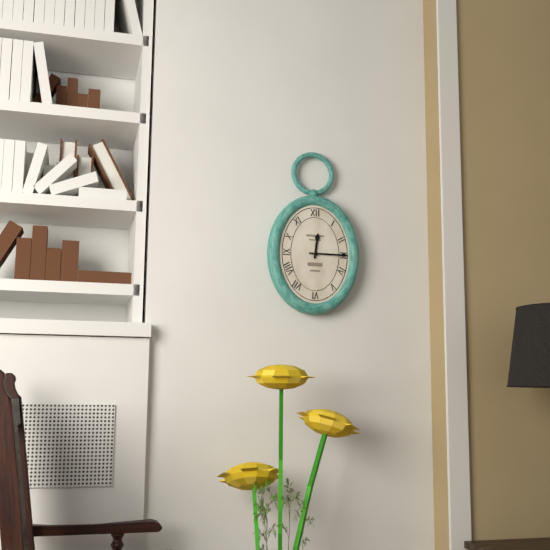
12:15
